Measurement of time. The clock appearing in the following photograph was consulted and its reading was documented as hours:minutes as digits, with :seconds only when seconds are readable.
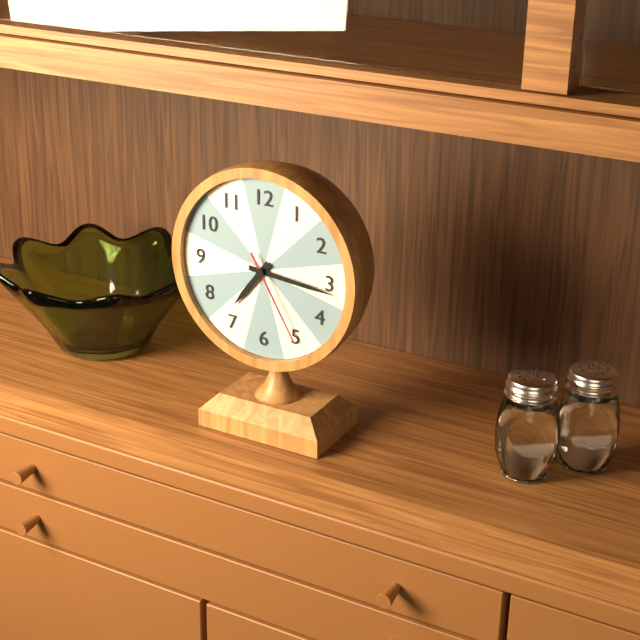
7:16:25
